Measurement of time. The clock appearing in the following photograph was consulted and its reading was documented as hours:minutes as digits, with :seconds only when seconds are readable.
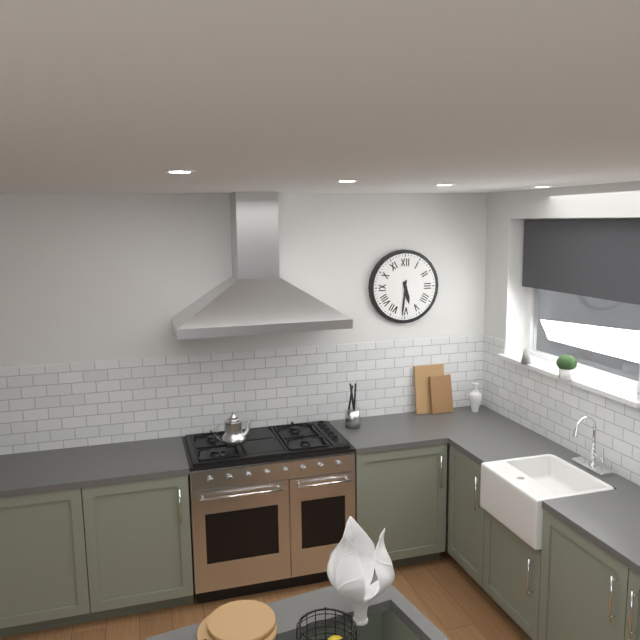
5:31
